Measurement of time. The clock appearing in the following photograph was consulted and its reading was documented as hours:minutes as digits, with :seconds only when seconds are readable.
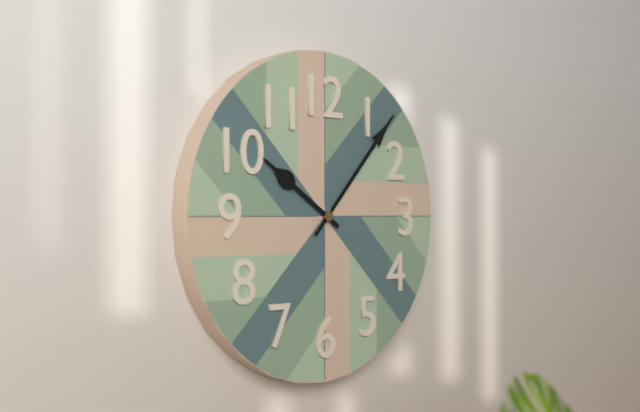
10:07
